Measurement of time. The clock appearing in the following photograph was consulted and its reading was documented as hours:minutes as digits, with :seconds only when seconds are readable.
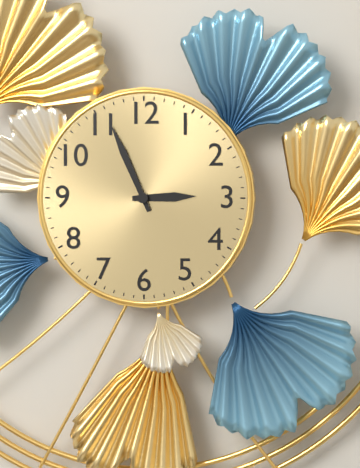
2:56
